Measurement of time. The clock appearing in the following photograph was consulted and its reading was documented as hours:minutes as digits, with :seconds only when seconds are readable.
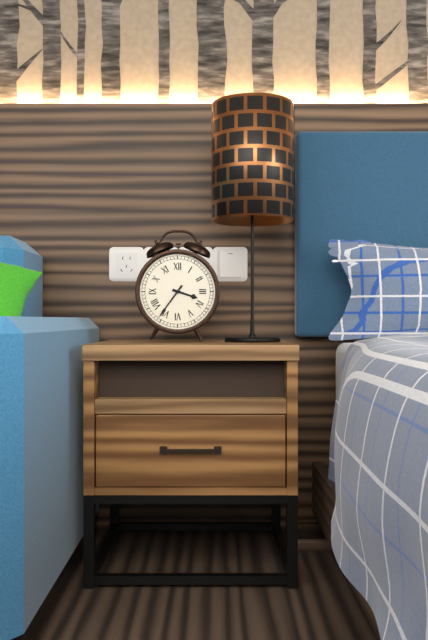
3:36
